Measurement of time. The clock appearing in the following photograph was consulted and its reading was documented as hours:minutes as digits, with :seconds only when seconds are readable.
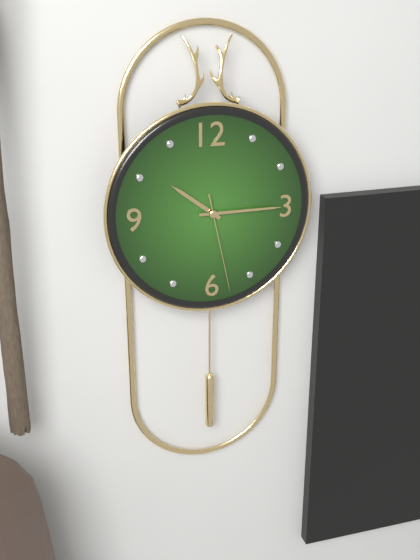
10:15:28
